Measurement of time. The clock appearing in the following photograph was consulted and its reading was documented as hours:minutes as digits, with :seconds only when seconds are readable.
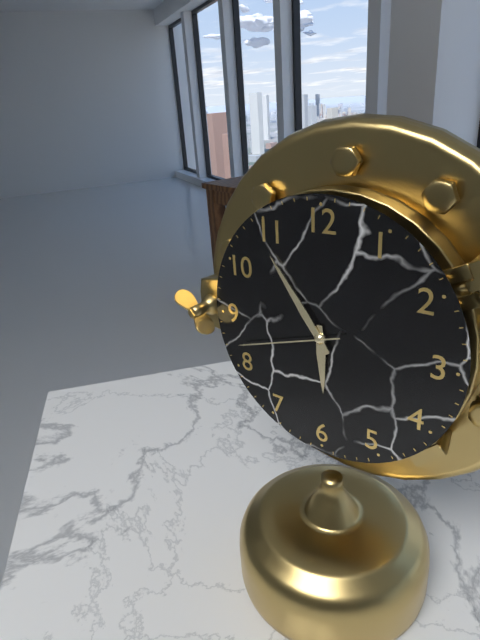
5:54:42
